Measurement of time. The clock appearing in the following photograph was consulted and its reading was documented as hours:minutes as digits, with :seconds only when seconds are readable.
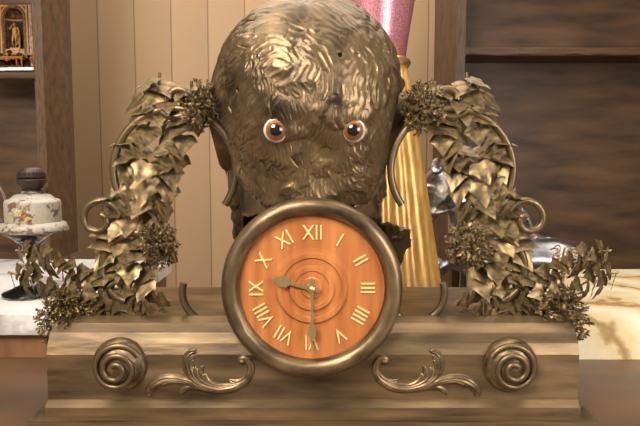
9:30
